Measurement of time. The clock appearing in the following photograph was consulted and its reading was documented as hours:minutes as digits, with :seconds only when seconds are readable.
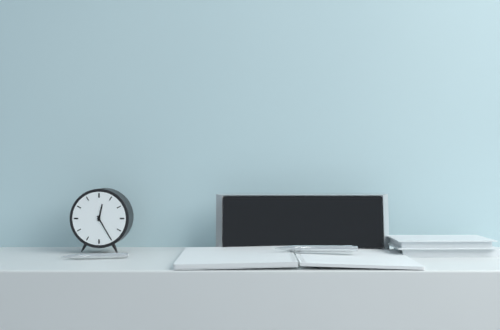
12:25
